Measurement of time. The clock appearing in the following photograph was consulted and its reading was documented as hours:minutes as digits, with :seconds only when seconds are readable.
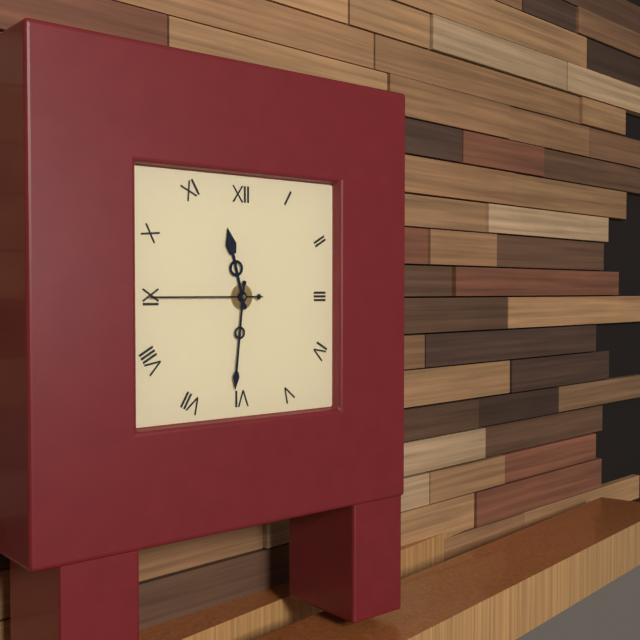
11:31:45
